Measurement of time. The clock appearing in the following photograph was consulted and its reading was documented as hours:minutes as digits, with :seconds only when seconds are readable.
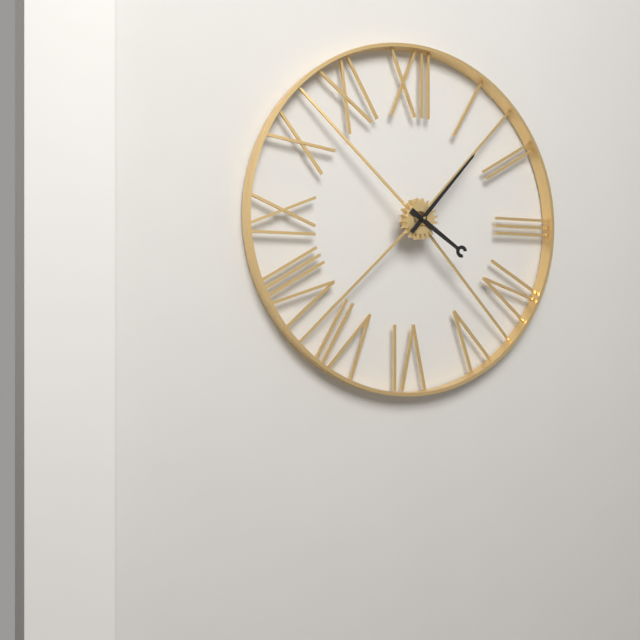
4:07
